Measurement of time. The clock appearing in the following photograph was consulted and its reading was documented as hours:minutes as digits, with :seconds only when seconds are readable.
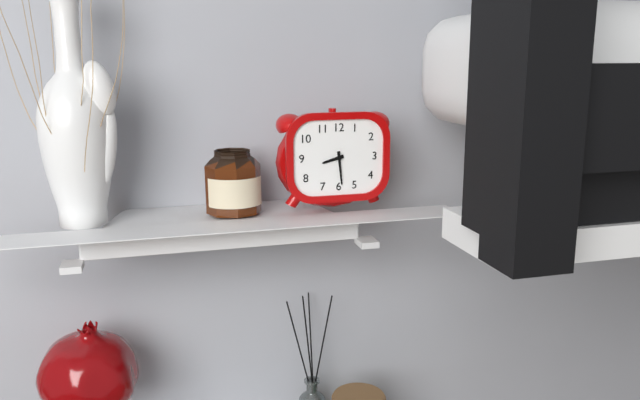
8:29
